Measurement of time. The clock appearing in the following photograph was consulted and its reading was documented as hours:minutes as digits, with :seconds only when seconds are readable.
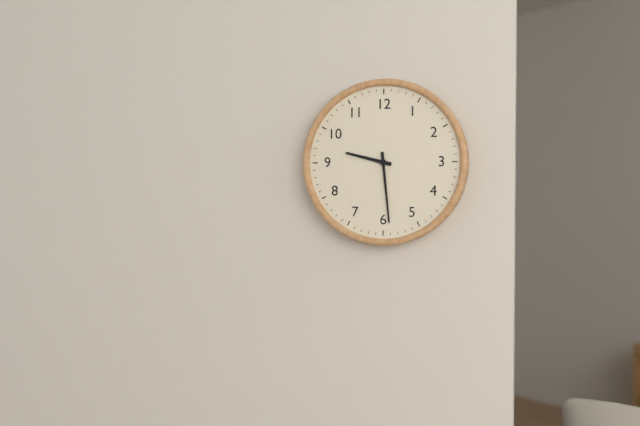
9:29
